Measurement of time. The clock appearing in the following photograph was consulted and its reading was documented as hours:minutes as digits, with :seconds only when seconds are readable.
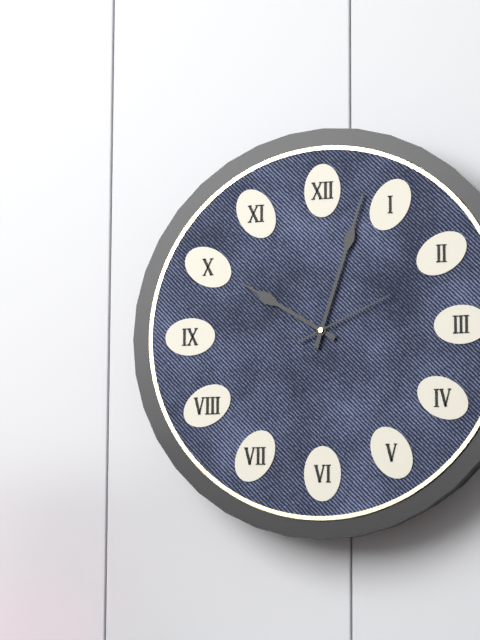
10:03:11
